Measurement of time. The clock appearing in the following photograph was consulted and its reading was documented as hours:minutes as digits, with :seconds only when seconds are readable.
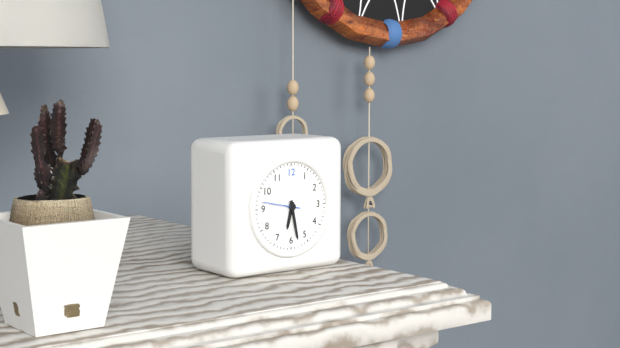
6:28
